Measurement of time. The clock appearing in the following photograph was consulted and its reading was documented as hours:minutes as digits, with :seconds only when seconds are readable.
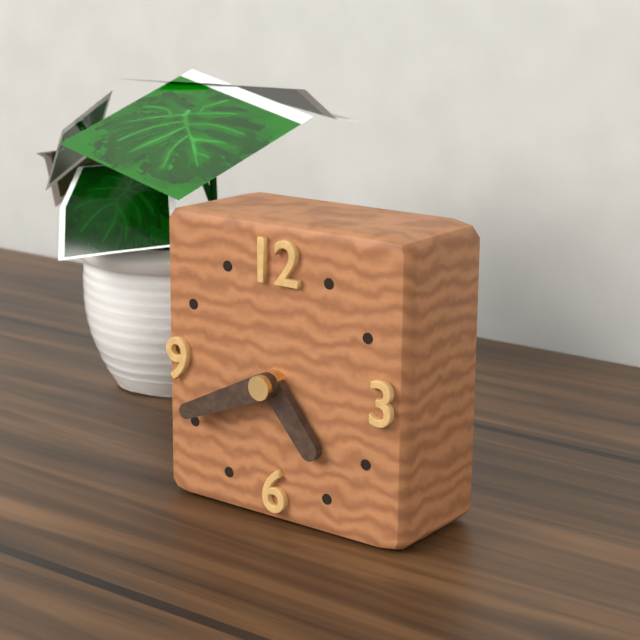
4:41
